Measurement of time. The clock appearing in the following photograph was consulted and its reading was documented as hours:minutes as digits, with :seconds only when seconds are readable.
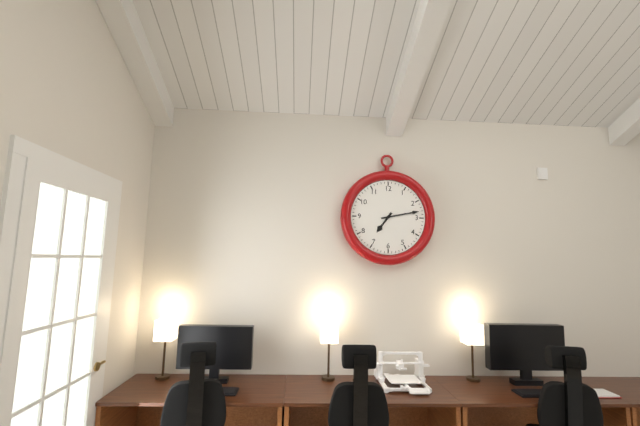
7:13
